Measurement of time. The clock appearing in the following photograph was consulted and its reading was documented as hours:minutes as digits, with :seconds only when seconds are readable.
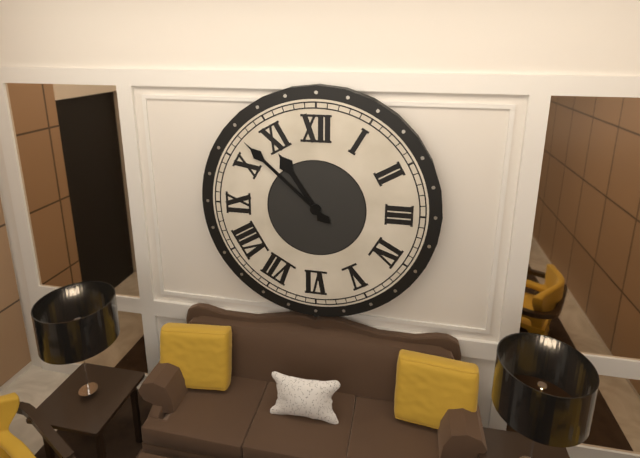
10:52
